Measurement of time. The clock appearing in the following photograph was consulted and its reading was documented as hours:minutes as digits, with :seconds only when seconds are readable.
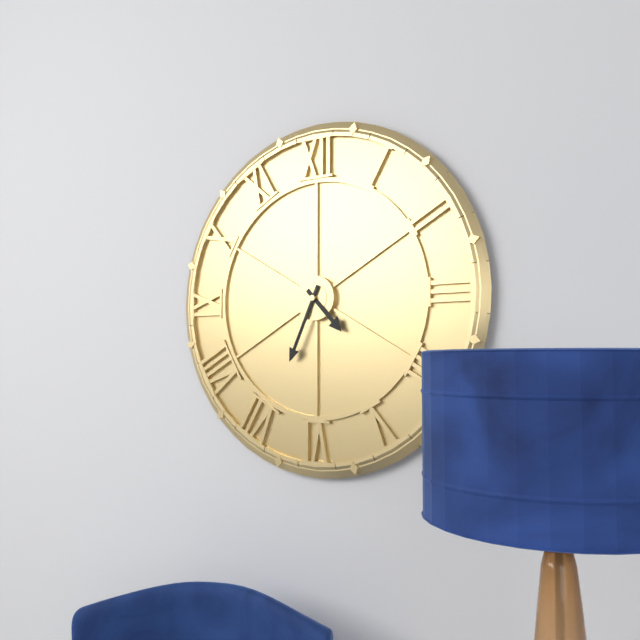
4:34
